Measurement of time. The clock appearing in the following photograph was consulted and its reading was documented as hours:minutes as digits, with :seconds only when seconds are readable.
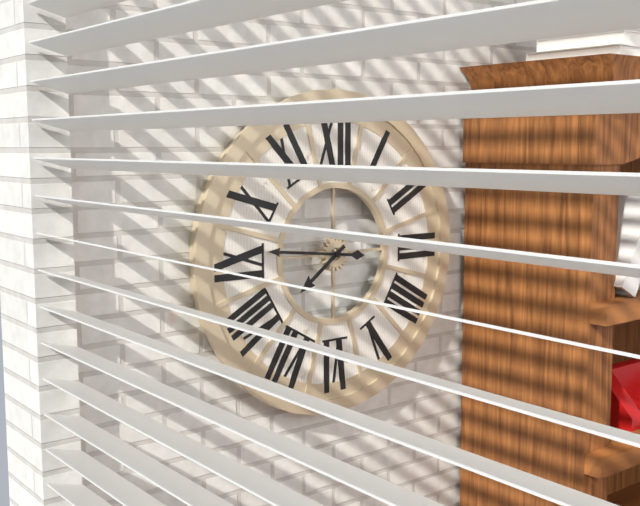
7:46
